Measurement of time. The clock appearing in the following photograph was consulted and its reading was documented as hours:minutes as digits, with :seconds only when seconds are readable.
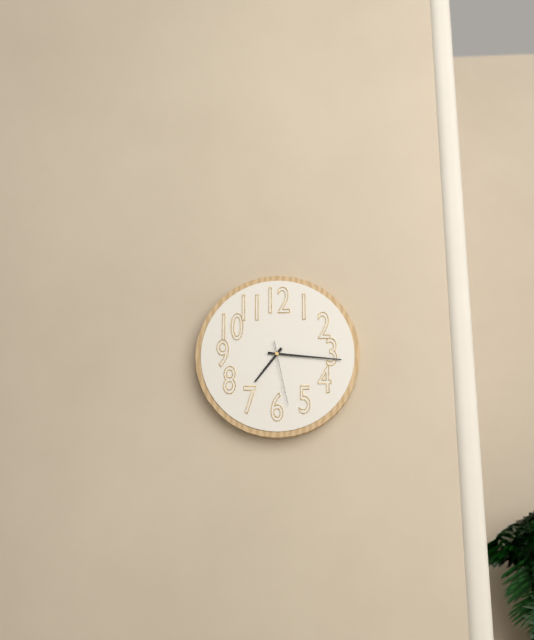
7:16:28
